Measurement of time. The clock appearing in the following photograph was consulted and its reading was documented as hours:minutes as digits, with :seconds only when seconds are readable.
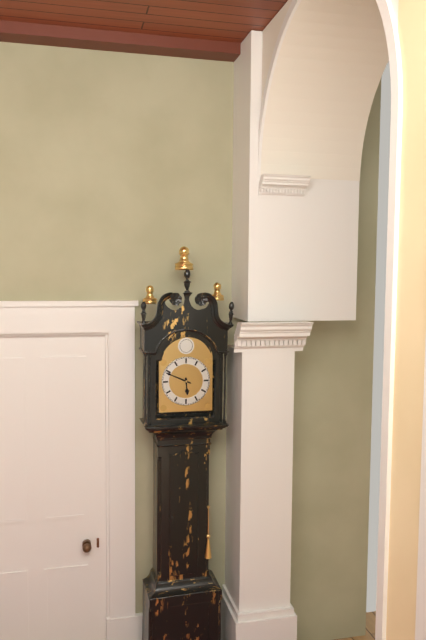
5:49
